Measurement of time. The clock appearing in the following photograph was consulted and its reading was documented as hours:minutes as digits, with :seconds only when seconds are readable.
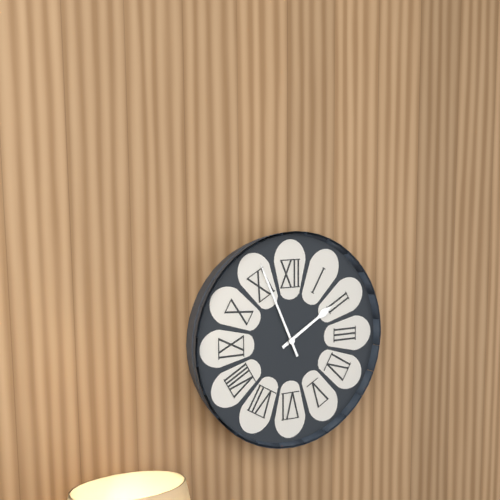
1:56
